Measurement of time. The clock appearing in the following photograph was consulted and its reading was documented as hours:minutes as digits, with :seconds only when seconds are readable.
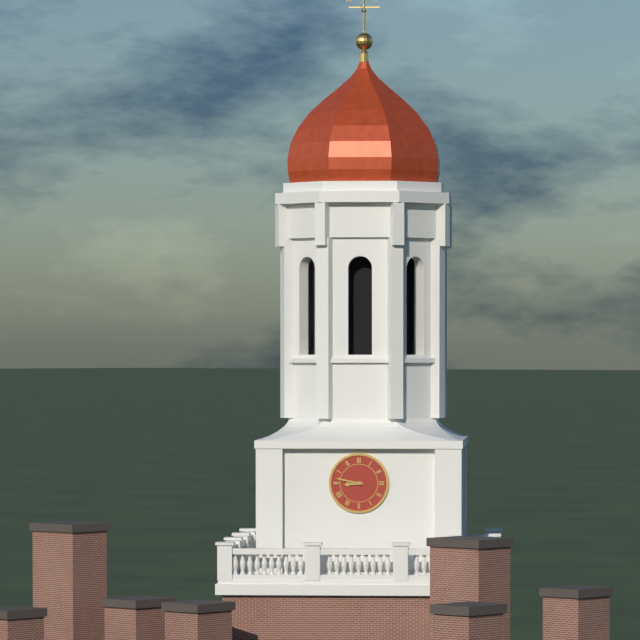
8:47
